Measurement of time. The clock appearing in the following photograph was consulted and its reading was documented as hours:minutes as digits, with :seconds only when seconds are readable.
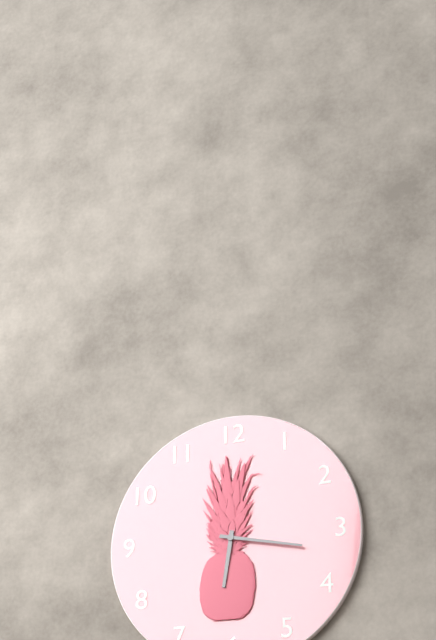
6:17
